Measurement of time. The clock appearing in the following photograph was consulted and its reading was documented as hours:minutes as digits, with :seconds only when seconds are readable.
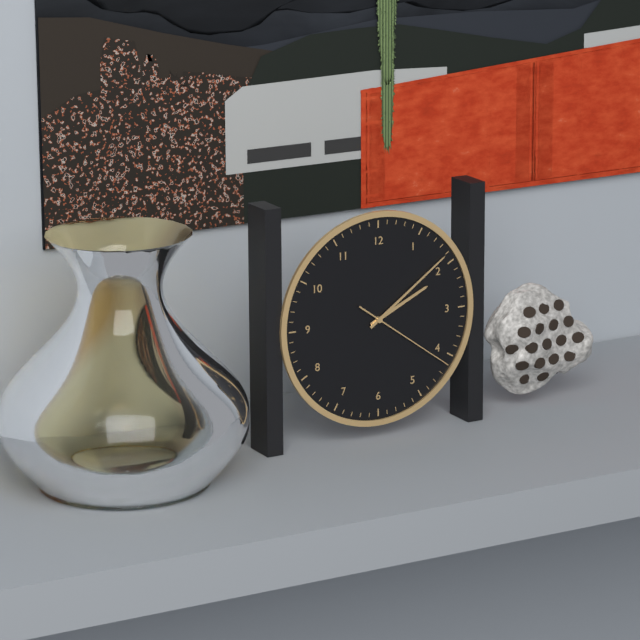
2:09:21
